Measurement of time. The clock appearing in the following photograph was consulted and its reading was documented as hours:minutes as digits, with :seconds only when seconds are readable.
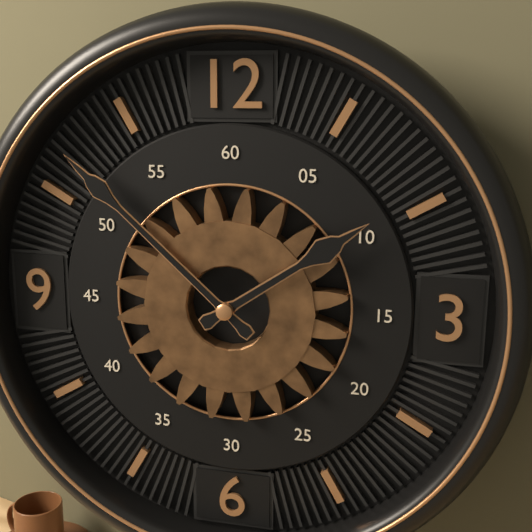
1:52
